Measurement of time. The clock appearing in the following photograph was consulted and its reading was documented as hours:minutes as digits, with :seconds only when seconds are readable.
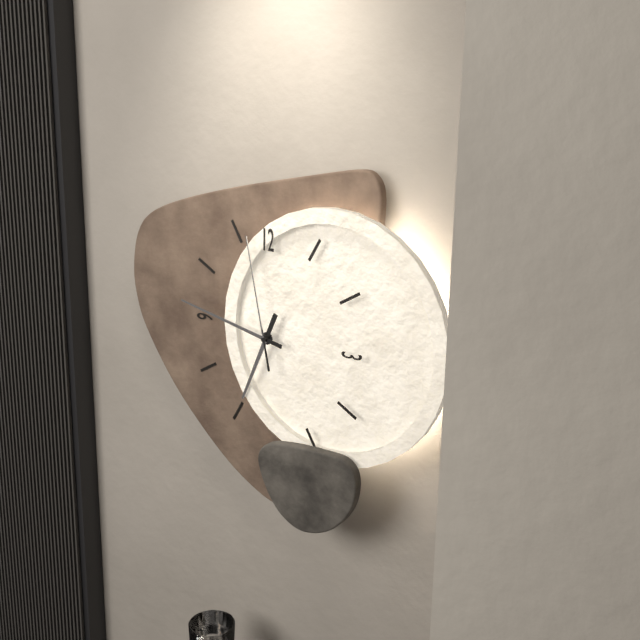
6:47:58
